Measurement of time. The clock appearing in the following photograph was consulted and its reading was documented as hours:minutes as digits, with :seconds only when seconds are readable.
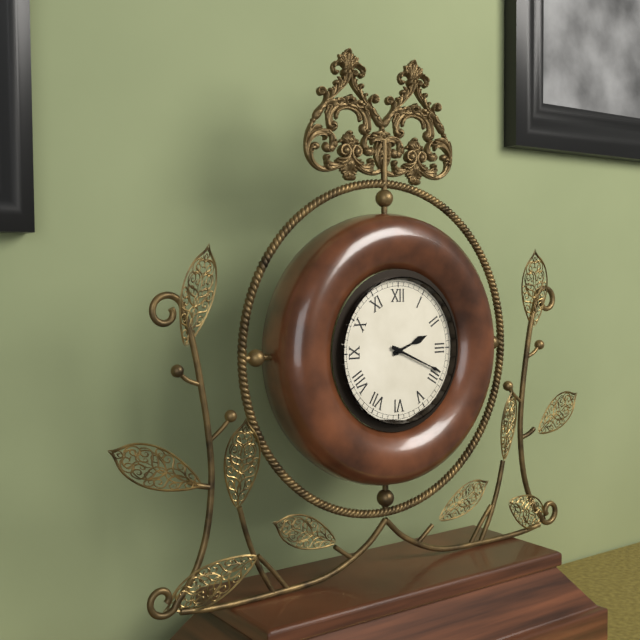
2:19
